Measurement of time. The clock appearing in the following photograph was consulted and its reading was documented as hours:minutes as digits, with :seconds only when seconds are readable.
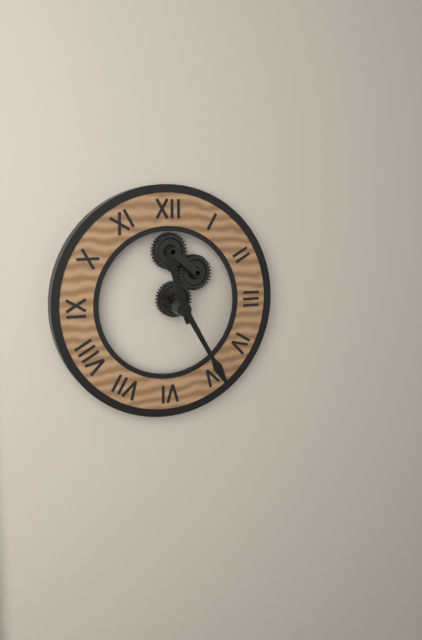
11:25
